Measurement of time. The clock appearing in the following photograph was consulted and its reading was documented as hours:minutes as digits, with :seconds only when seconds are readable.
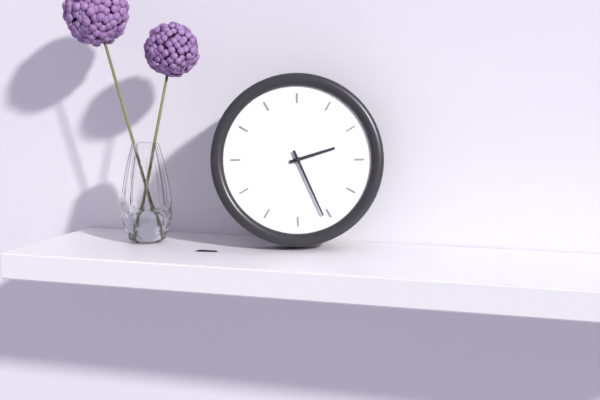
2:26
